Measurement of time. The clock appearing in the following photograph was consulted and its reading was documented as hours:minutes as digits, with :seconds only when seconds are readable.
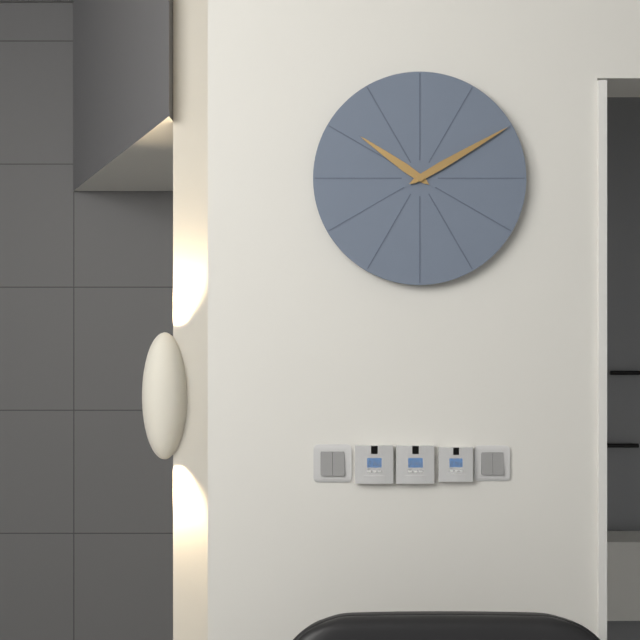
10:10
